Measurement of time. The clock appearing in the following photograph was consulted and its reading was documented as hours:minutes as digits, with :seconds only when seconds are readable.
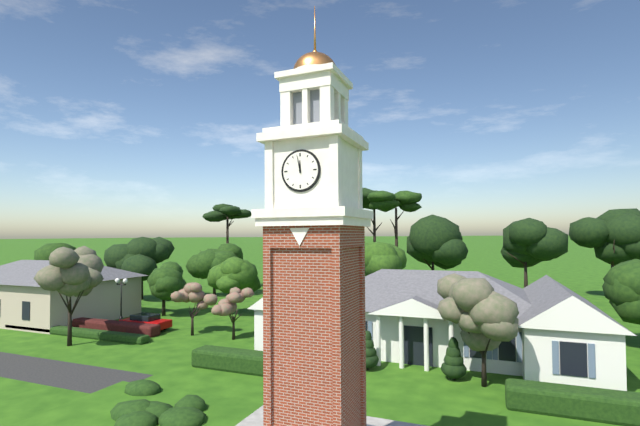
11:58
